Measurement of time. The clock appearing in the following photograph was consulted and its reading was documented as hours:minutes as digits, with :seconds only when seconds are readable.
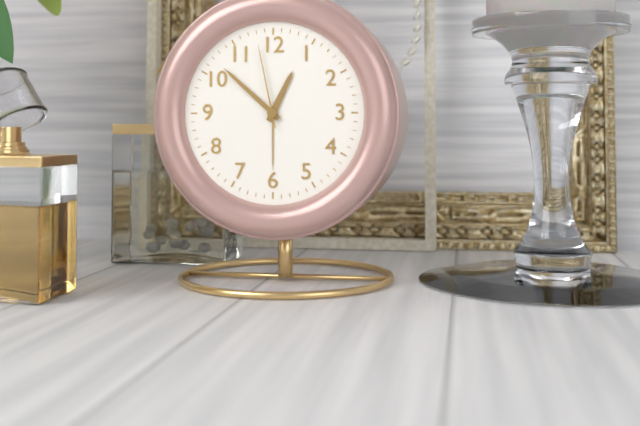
12:52:58
